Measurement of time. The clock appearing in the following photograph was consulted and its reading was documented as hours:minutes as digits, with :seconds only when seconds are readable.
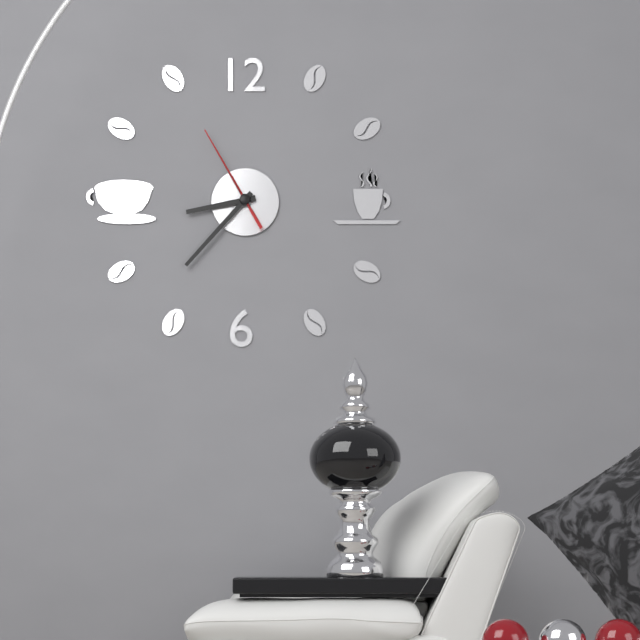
8:37:55
